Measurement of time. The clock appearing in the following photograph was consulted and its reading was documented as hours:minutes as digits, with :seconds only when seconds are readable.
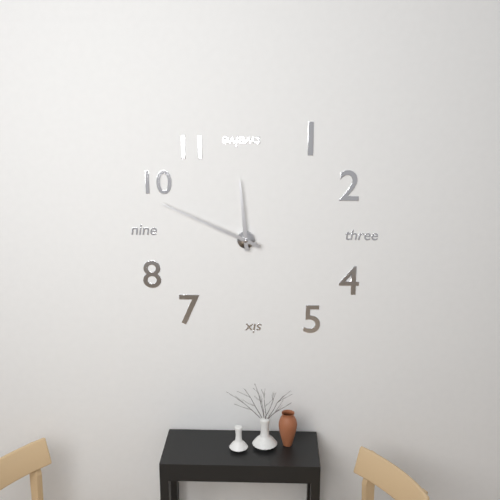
11:49
